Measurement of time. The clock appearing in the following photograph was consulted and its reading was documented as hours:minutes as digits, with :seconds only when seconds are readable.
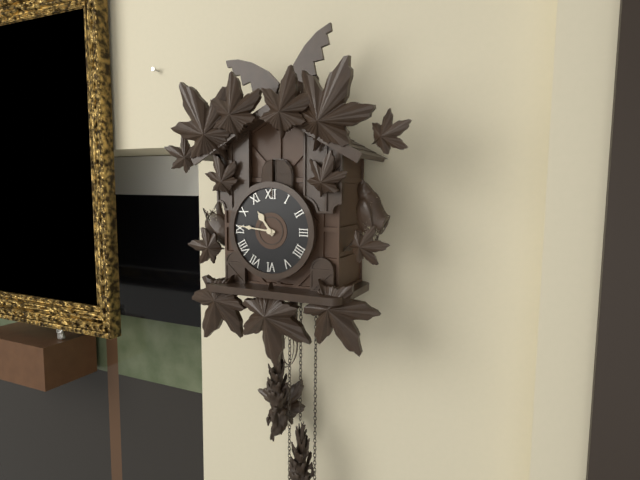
10:46
